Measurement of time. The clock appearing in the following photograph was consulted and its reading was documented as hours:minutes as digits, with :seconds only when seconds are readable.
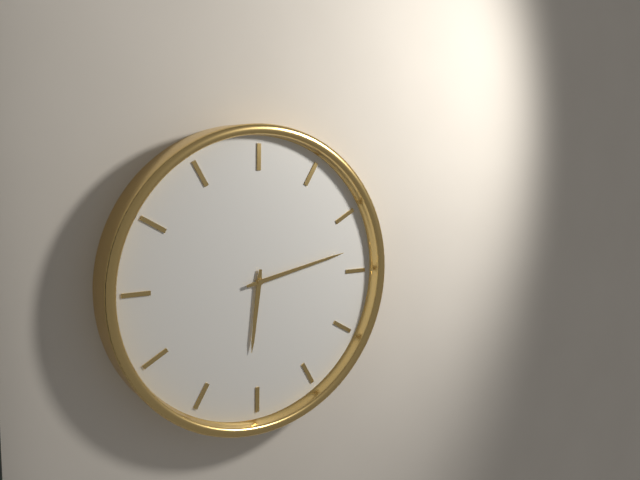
6:13
